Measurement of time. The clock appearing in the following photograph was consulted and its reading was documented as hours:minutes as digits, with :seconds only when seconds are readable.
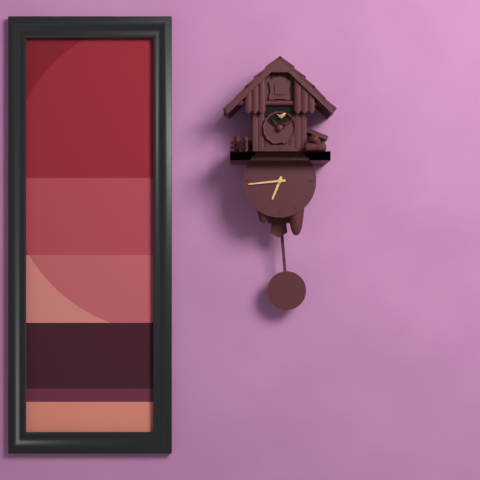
6:44
